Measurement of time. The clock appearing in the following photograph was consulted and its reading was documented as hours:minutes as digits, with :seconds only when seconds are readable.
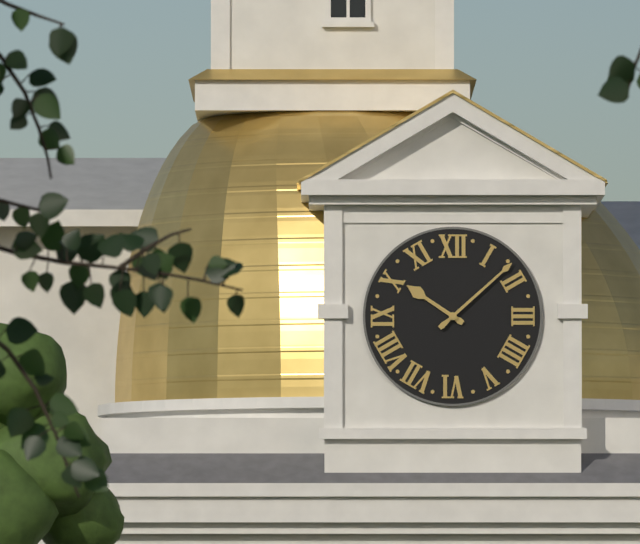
10:08
